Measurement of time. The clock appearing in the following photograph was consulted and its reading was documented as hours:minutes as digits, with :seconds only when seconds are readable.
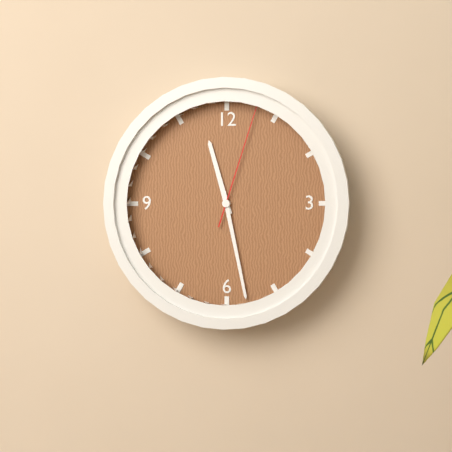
11:28:03
